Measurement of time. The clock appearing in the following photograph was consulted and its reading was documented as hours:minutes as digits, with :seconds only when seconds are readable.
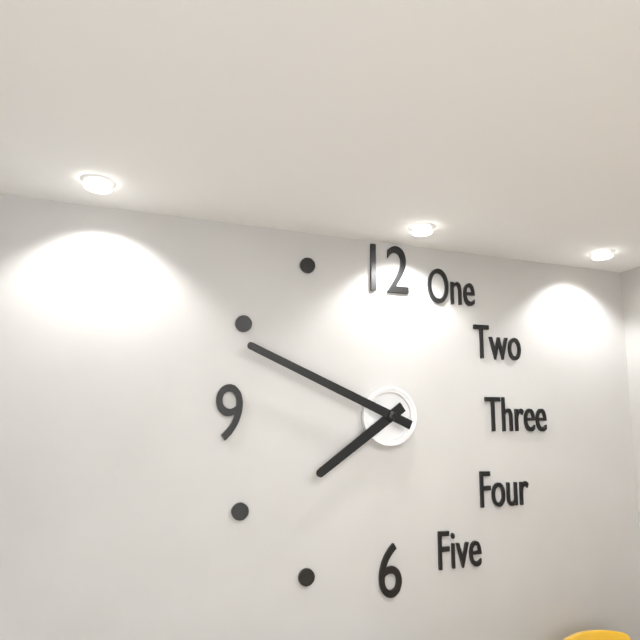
7:49
